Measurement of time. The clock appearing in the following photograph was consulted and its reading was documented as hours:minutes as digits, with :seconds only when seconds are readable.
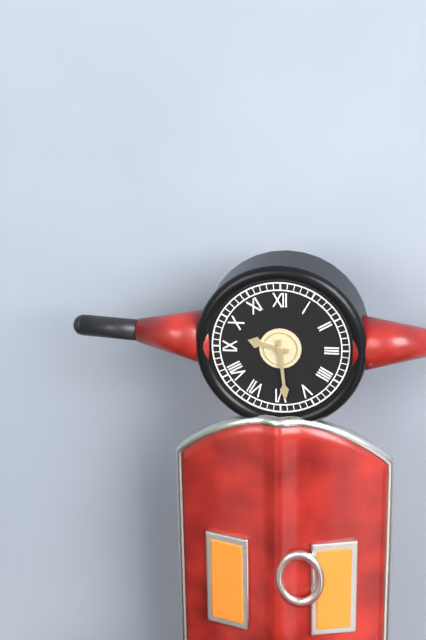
9:29
